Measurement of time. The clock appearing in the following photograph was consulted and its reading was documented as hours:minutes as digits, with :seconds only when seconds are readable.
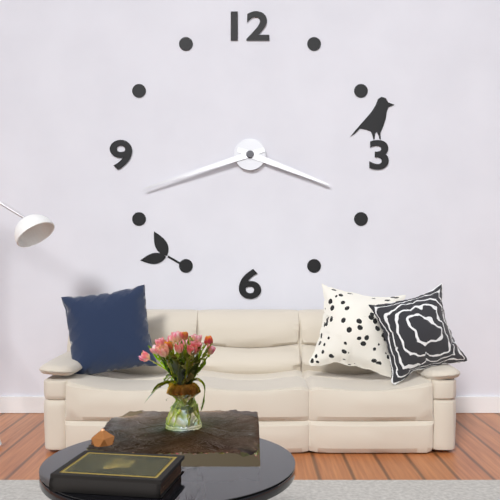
3:42
